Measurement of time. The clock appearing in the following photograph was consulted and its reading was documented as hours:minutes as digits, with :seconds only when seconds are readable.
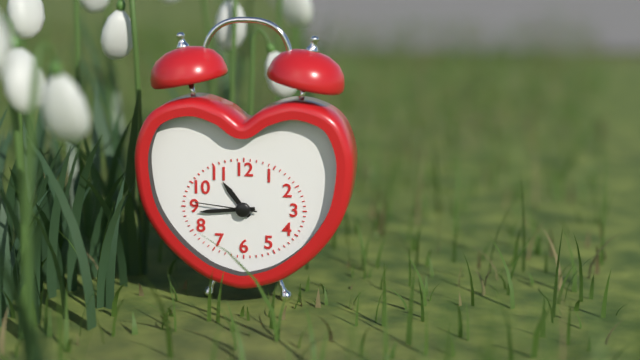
10:44:46
